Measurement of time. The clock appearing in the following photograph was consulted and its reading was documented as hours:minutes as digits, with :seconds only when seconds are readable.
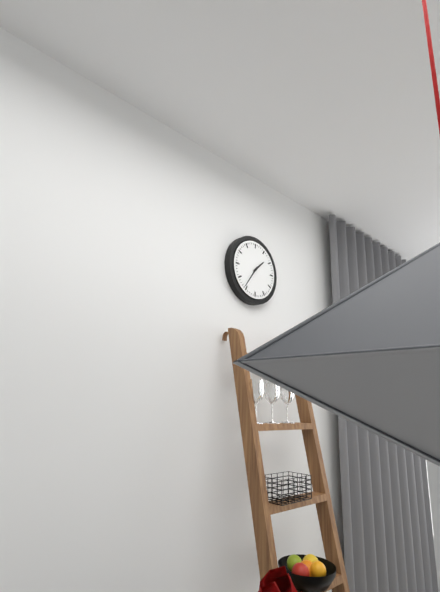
1:36
